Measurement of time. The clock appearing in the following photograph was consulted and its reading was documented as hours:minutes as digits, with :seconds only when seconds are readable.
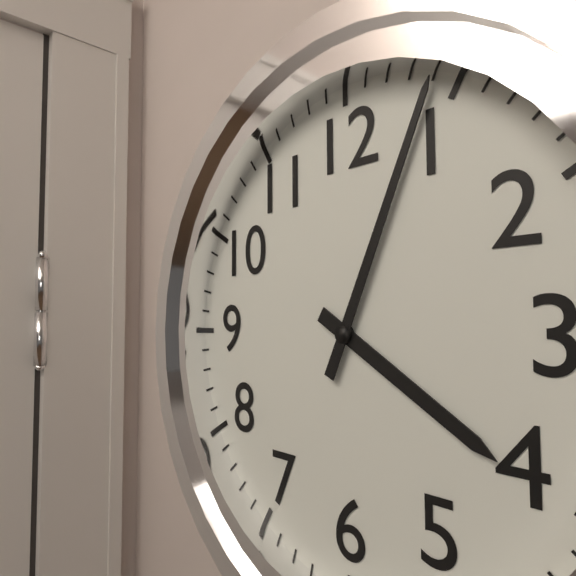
4:04
